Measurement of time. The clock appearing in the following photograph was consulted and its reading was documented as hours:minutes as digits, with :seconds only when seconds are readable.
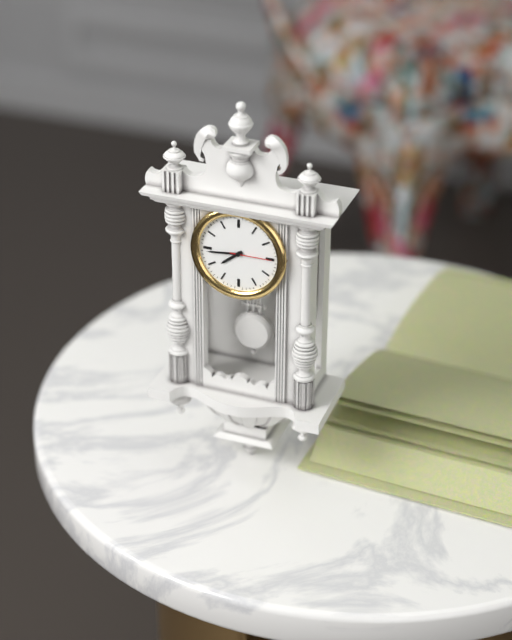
7:44
